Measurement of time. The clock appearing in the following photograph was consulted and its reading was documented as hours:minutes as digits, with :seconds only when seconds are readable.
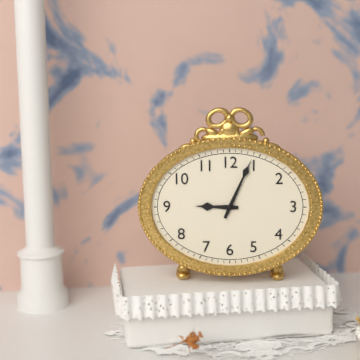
9:04
